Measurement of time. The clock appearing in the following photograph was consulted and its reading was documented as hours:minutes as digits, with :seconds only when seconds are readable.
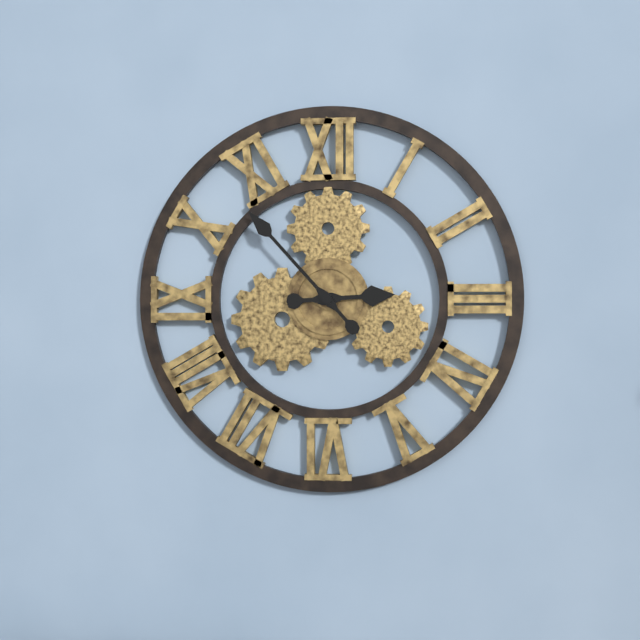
2:53
